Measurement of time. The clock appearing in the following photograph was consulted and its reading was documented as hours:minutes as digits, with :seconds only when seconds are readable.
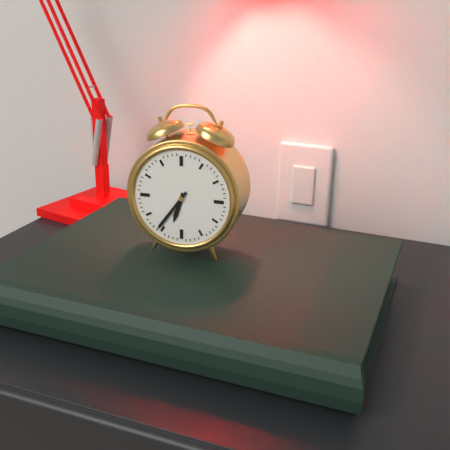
6:36
